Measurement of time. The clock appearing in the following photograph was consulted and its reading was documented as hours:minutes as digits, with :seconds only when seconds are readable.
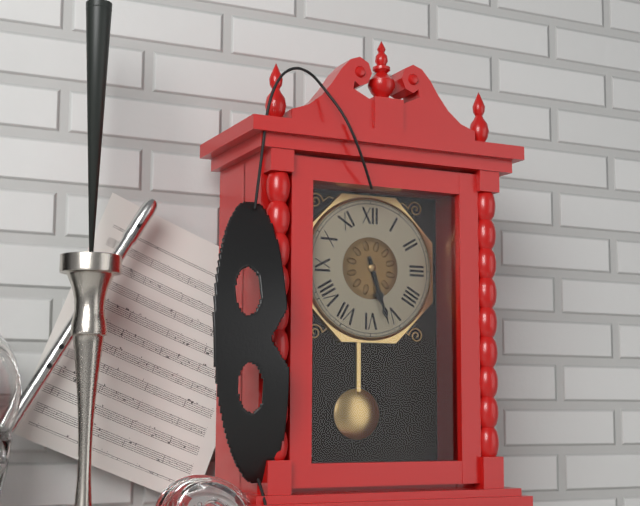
5:27
